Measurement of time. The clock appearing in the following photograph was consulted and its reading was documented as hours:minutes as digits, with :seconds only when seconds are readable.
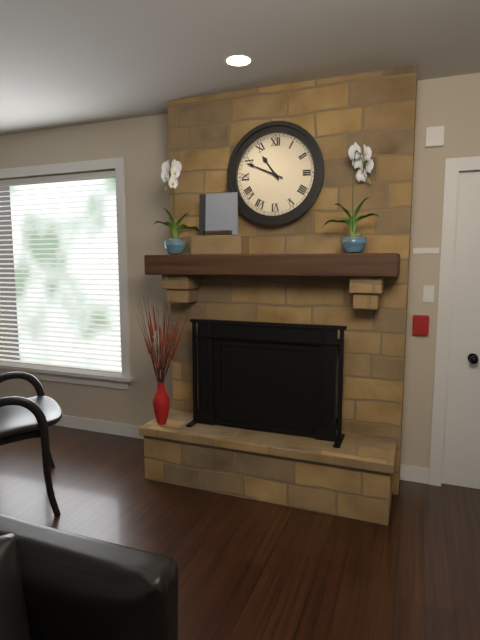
10:49
